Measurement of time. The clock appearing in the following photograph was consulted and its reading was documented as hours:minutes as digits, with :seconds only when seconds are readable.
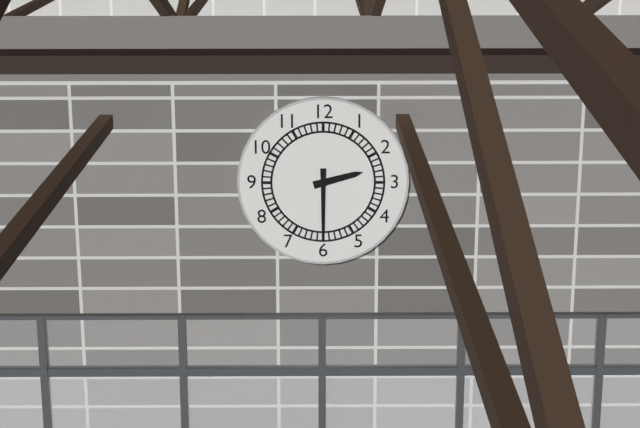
2:30
